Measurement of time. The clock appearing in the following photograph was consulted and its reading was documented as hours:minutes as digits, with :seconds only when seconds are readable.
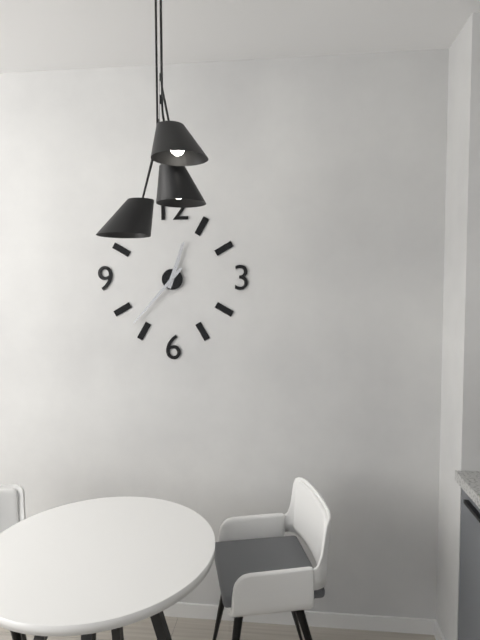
12:37
